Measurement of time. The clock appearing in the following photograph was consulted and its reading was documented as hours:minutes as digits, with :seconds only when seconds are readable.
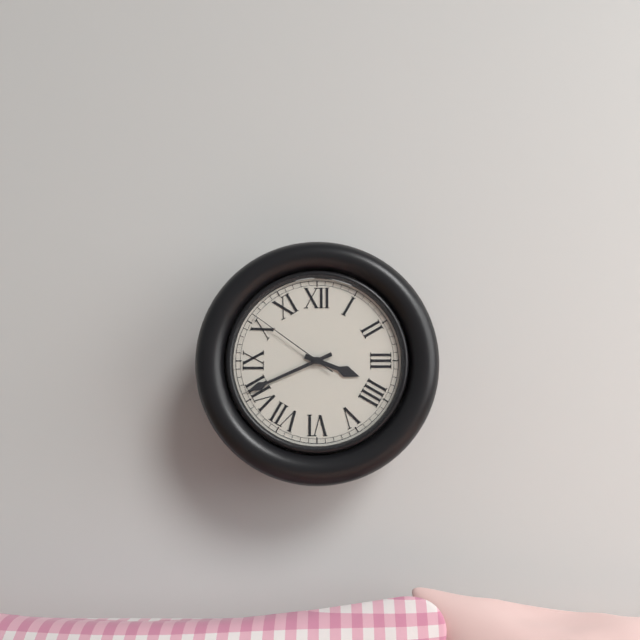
3:41:51
